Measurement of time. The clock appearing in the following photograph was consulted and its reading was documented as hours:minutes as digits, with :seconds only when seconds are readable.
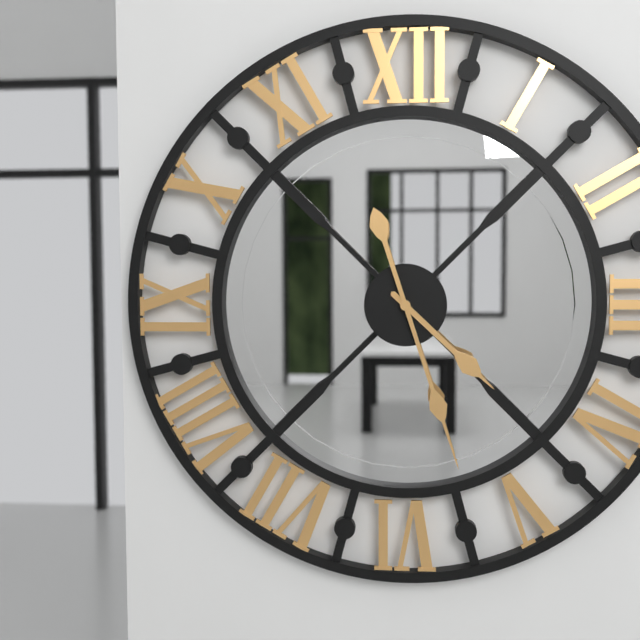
4:27
